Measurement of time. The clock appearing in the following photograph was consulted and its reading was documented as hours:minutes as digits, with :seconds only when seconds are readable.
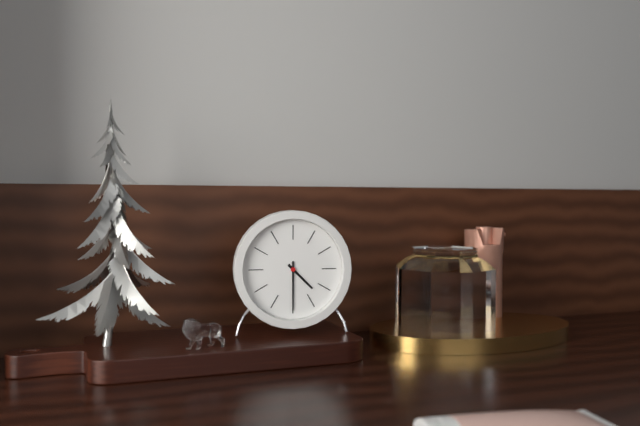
4:30
